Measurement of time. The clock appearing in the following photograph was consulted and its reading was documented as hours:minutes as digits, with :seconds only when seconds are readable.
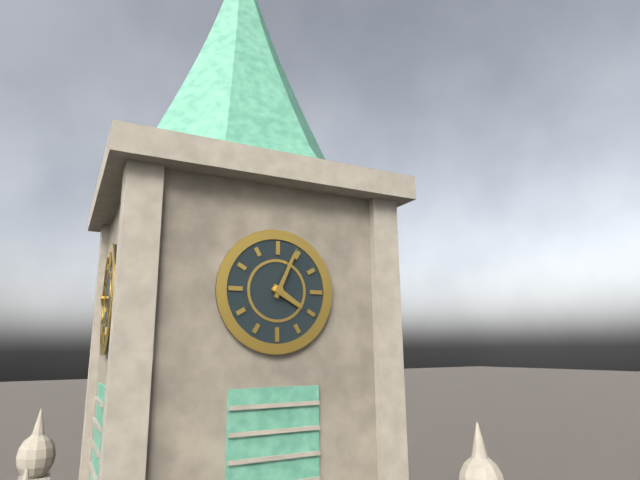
4:04
